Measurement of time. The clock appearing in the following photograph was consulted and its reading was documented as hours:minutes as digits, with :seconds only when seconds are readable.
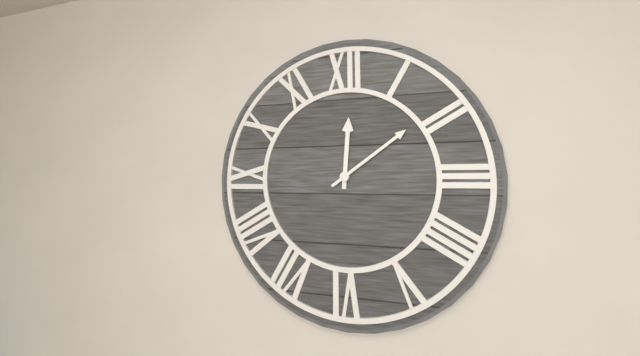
12:09
